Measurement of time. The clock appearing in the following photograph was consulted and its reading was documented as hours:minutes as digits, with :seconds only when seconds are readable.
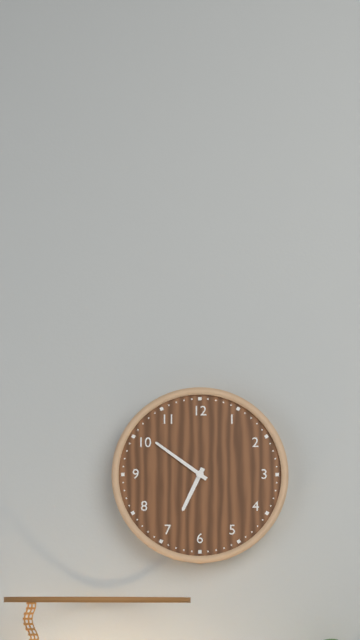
6:51
